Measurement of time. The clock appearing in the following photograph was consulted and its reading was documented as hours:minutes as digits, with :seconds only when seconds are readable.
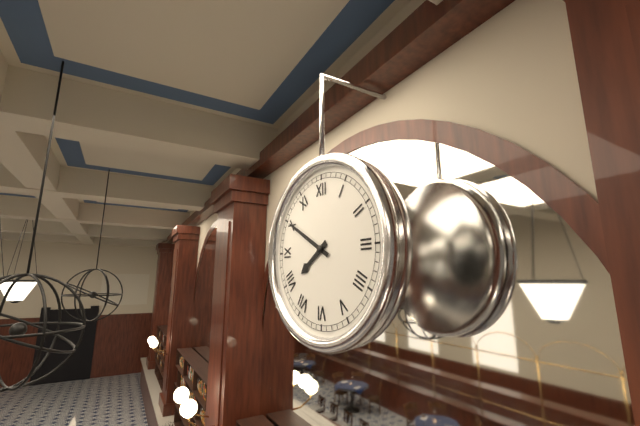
7:50
